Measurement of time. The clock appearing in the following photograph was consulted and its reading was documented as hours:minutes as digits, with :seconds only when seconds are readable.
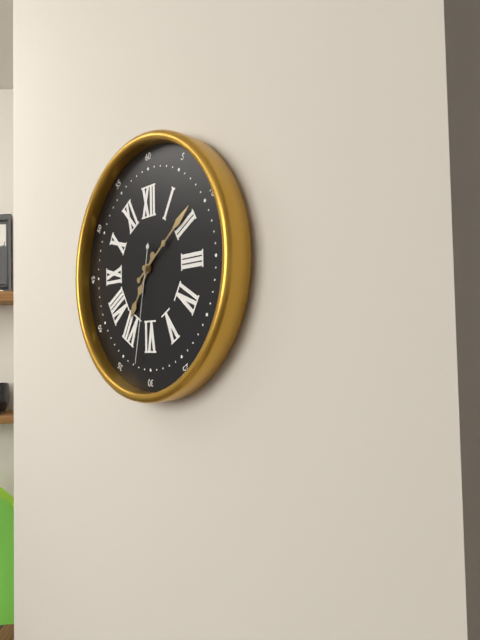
7:09:32
